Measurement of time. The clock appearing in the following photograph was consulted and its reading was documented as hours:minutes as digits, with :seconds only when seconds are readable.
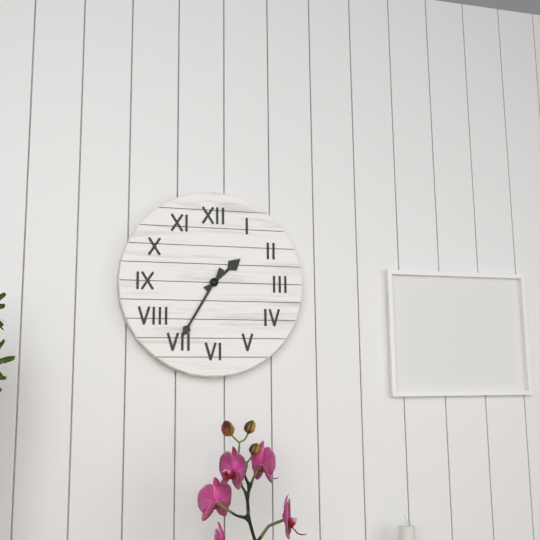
1:35
